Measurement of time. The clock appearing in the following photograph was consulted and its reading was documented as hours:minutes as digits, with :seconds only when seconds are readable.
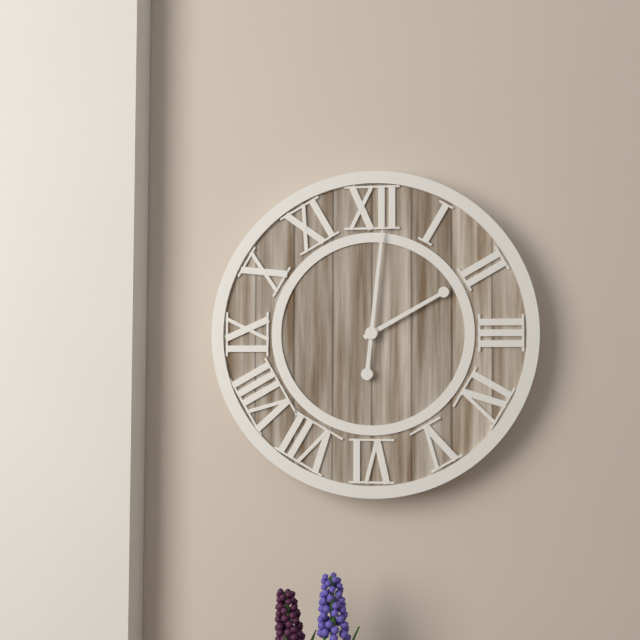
2:01
